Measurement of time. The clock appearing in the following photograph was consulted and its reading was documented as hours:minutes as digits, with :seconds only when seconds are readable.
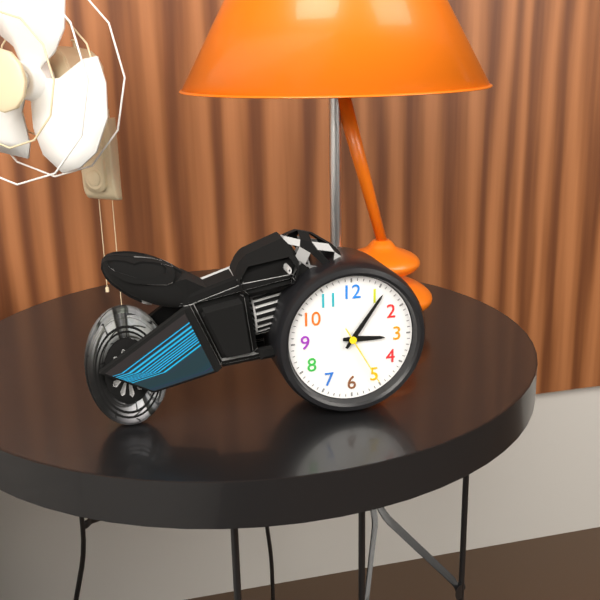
3:06:25
